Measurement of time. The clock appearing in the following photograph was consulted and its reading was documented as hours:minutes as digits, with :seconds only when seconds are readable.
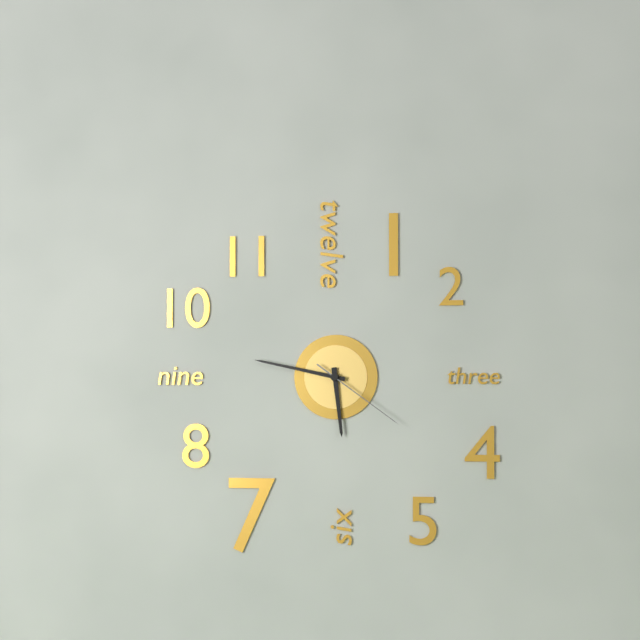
5:47:21
